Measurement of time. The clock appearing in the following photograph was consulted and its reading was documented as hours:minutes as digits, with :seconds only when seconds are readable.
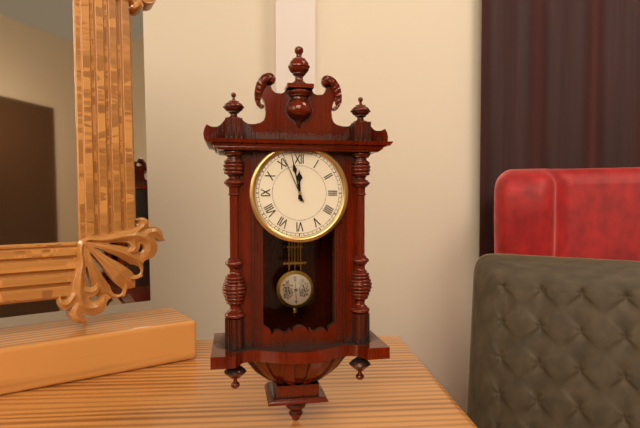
11:58:56
